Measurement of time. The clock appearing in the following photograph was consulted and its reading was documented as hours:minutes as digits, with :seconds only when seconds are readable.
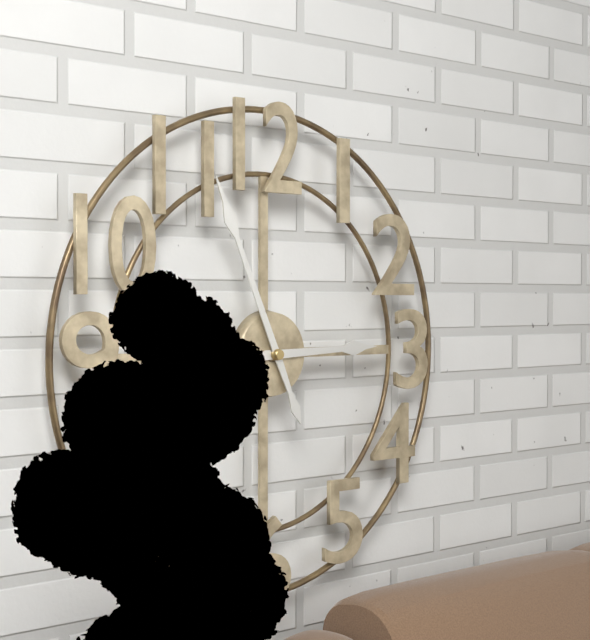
2:56
